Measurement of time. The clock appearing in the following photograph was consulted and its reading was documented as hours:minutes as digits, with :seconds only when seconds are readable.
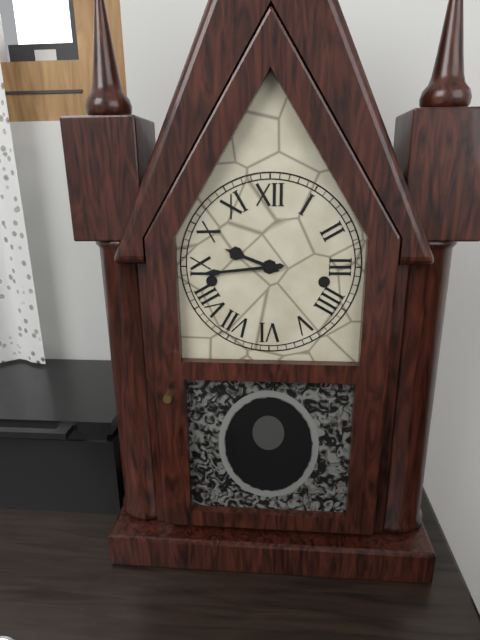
9:44
